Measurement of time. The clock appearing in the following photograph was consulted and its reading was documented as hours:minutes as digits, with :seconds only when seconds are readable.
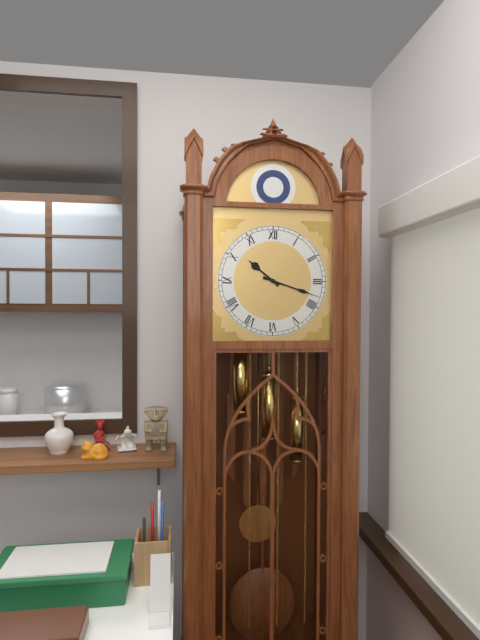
10:18
